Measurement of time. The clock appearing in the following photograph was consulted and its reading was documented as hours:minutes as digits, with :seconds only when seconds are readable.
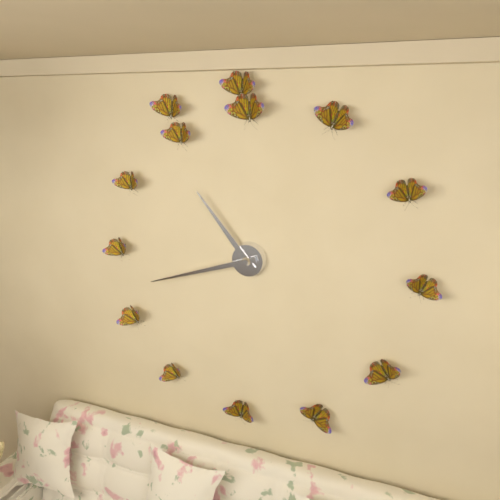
10:42
